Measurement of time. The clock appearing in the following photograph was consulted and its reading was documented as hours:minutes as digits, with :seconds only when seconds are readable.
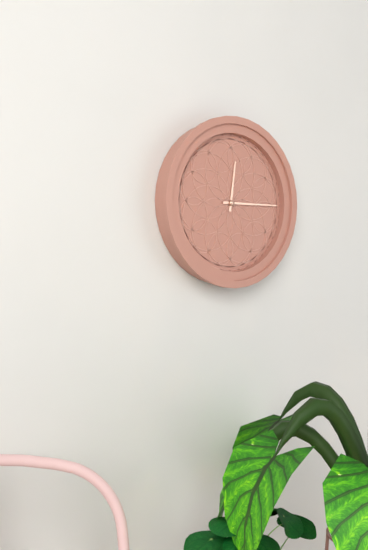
12:15
